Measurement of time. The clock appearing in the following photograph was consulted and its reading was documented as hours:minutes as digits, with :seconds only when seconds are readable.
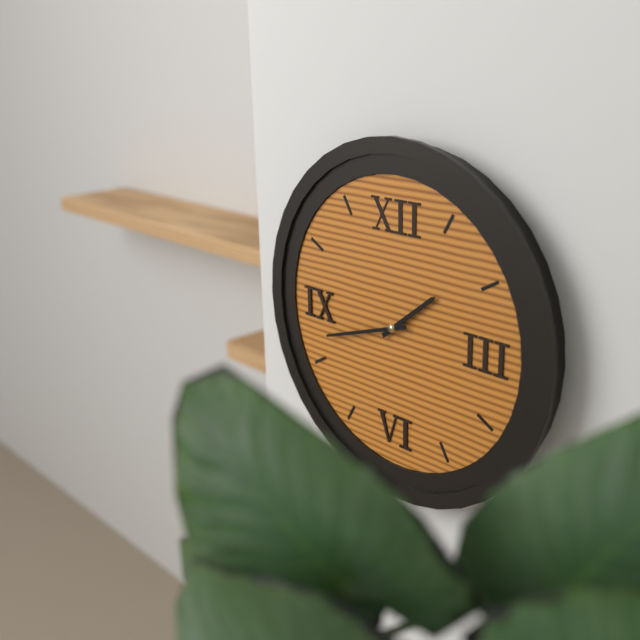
1:42
